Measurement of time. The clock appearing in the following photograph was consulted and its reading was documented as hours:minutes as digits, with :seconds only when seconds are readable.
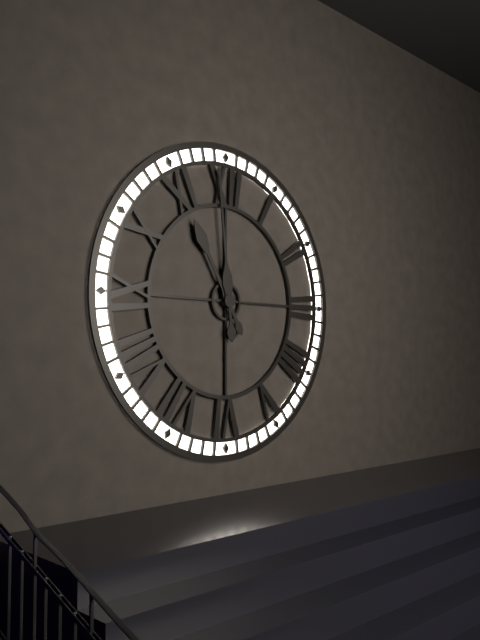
10:59
